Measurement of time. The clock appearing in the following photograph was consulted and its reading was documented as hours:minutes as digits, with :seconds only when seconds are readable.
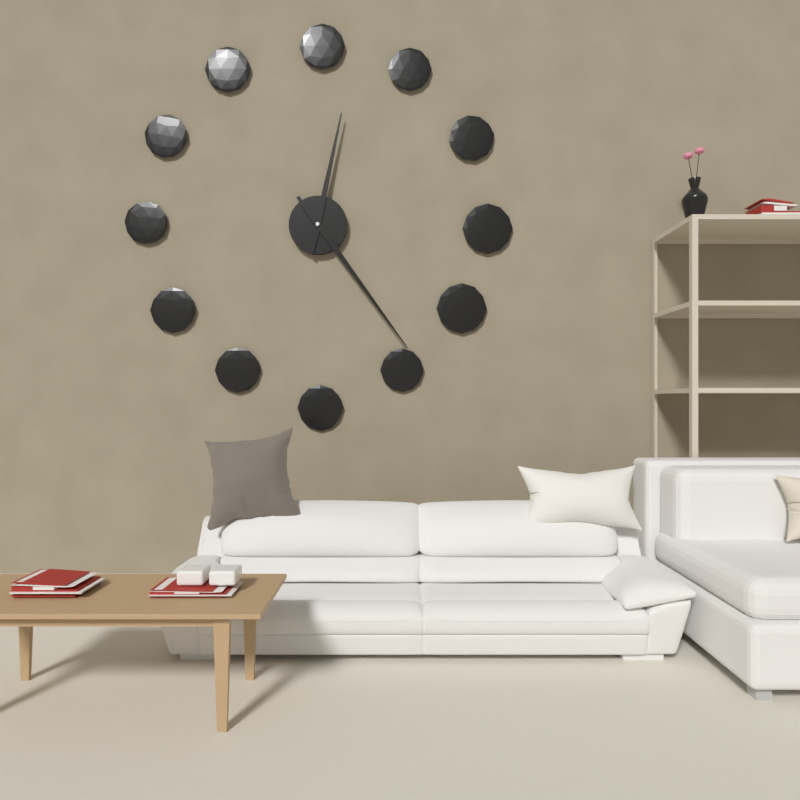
12:24
